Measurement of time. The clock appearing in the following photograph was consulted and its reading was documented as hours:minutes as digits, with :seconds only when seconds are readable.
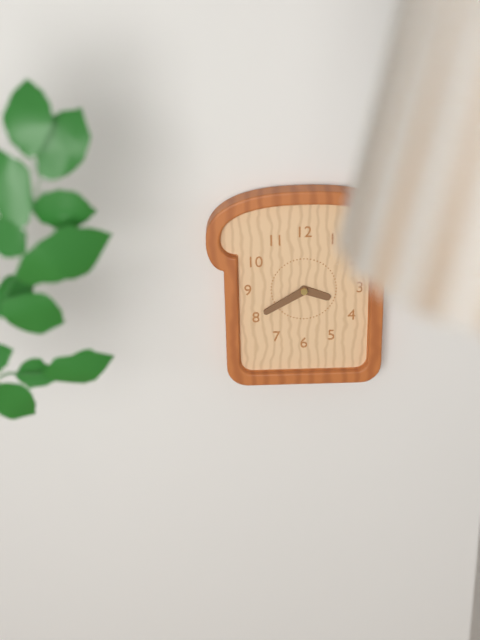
3:40
